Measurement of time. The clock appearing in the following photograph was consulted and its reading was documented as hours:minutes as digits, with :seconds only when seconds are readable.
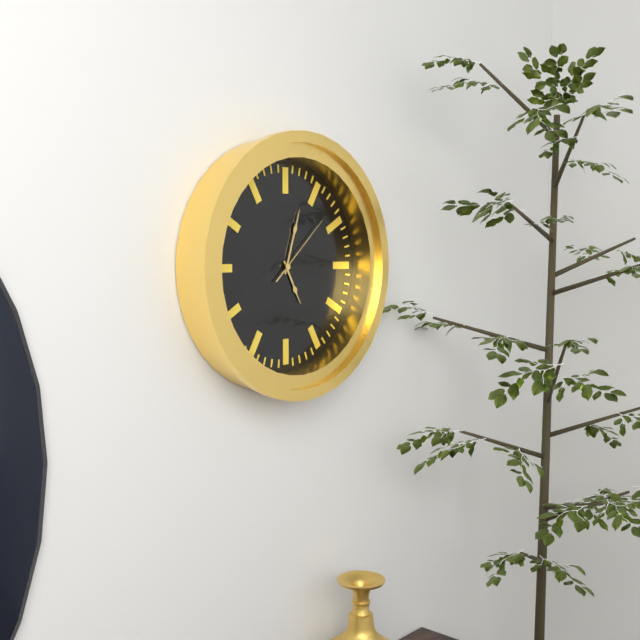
5:03:08
